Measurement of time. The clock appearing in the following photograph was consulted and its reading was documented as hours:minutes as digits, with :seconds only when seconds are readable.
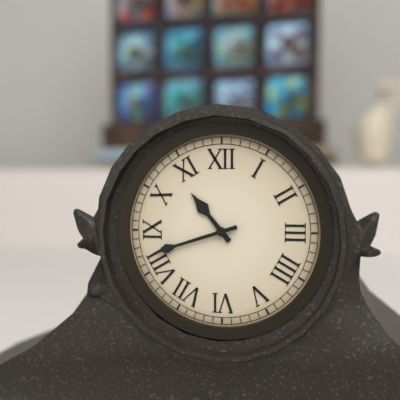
10:42
